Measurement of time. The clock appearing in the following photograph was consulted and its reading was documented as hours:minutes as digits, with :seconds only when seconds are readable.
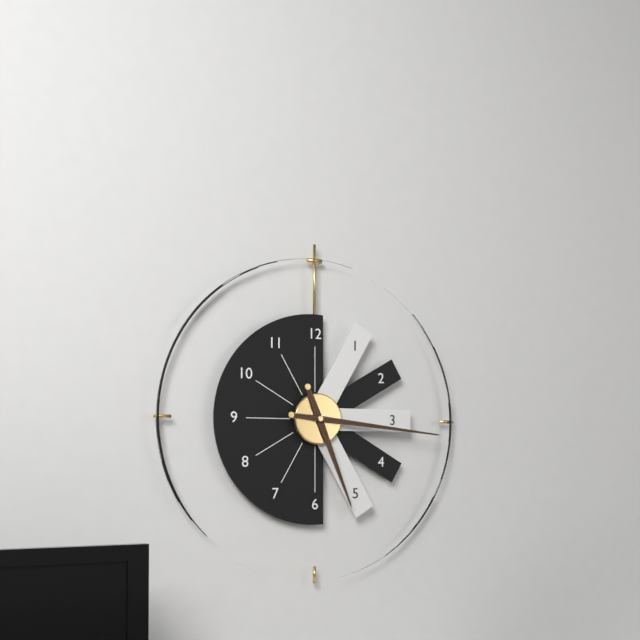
5:16
